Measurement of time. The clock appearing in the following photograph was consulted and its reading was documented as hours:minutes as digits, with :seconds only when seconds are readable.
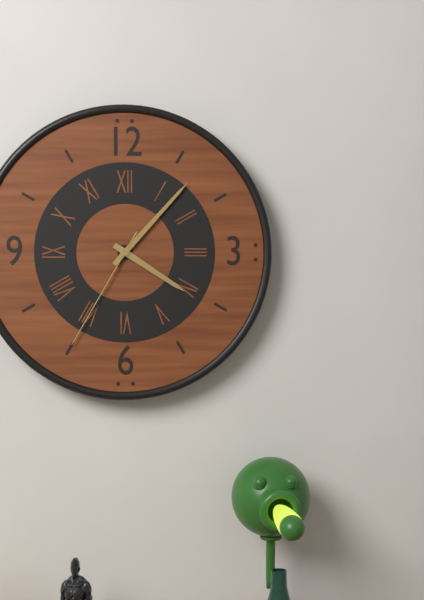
4:07:35
